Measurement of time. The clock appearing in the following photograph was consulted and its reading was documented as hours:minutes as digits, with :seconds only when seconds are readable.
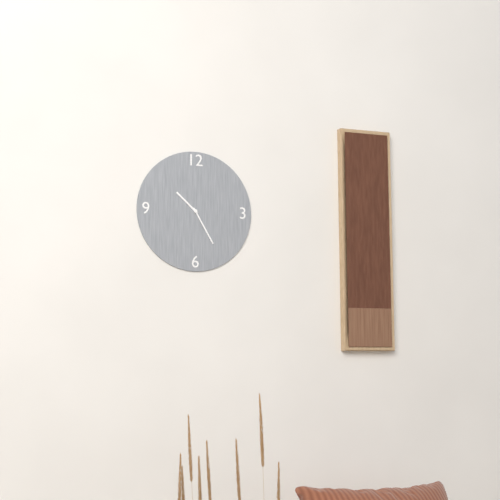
10:25
